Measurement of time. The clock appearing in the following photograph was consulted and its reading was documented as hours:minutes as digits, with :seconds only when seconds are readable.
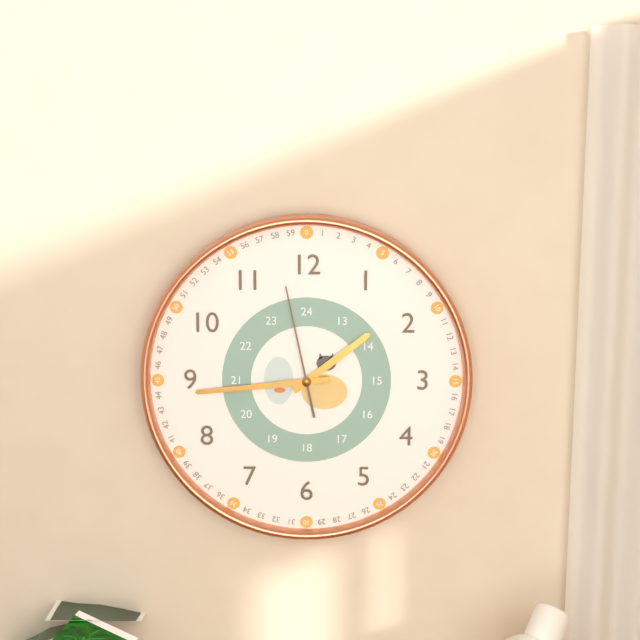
1:44:58
